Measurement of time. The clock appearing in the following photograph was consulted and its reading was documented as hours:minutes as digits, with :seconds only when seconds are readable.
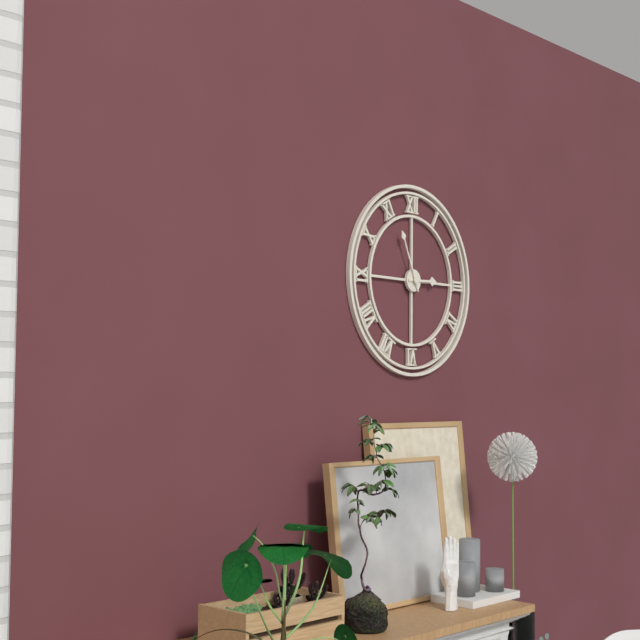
2:56
